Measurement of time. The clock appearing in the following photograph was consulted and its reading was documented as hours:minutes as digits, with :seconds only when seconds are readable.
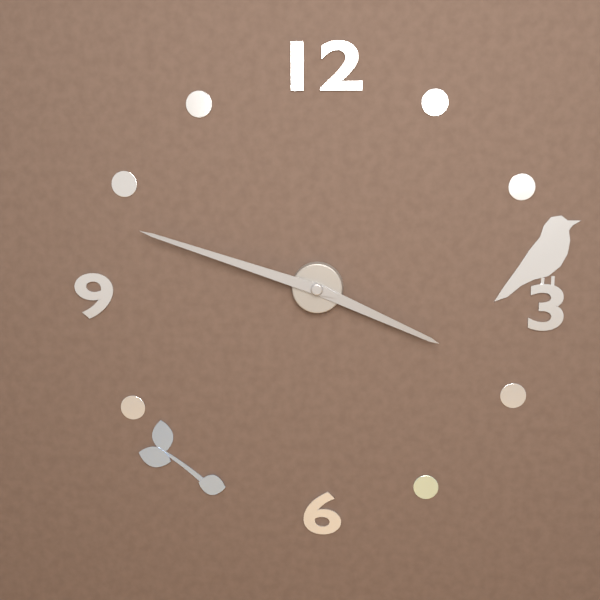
3:48
